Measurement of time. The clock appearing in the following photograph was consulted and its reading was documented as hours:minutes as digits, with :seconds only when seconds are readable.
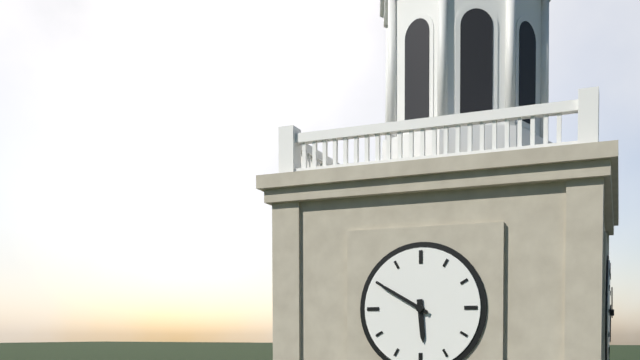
5:50
